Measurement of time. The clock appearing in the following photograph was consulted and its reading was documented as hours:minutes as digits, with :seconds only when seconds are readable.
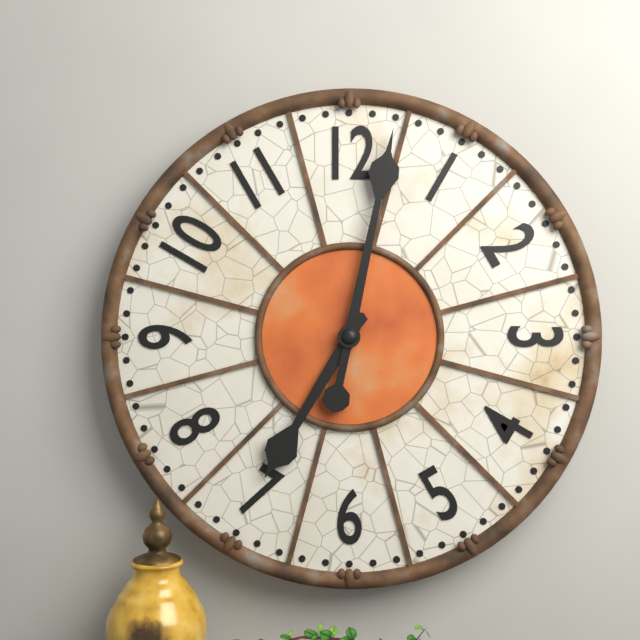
7:02
